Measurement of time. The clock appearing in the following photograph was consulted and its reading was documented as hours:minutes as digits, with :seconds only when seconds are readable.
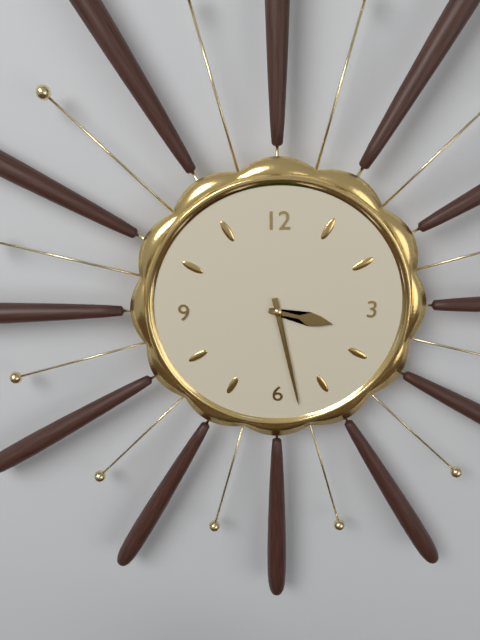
3:28
